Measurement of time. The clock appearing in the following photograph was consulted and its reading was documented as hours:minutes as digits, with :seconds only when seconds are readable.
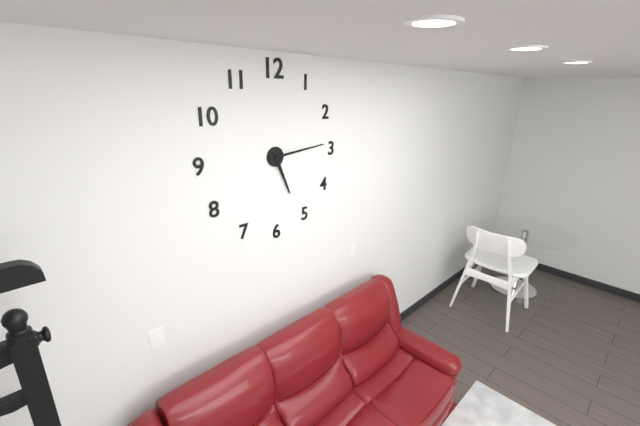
5:14
